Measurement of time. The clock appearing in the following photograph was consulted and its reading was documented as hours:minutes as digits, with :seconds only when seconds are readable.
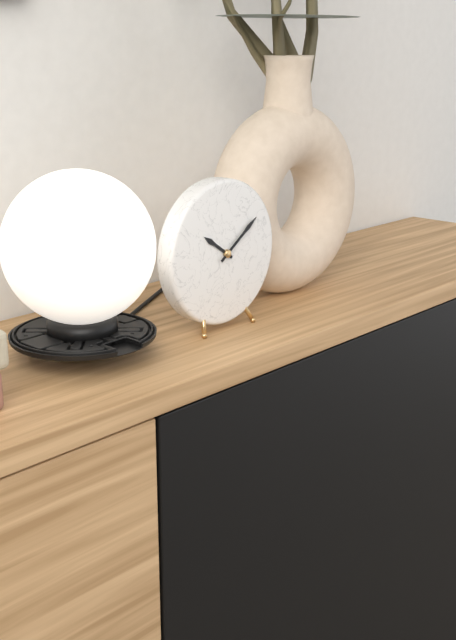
10:09
